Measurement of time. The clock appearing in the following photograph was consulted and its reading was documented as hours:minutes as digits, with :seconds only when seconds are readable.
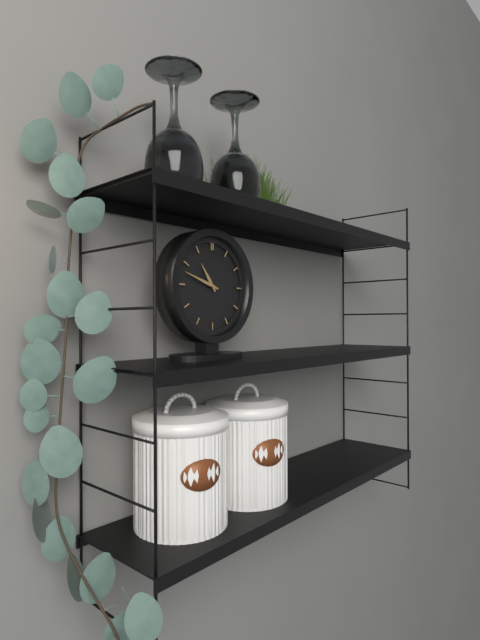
10:48
